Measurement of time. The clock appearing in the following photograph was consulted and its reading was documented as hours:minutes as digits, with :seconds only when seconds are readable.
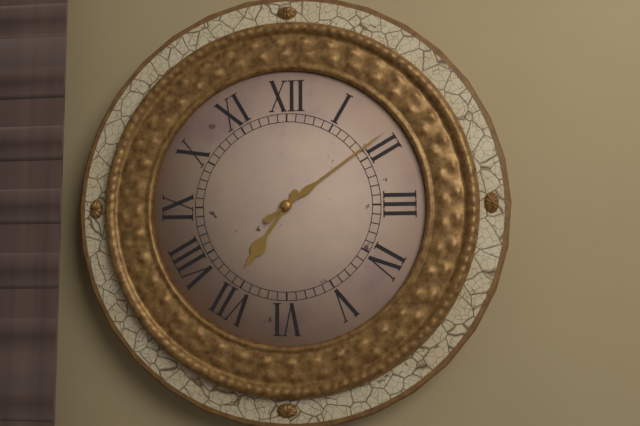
7:09
